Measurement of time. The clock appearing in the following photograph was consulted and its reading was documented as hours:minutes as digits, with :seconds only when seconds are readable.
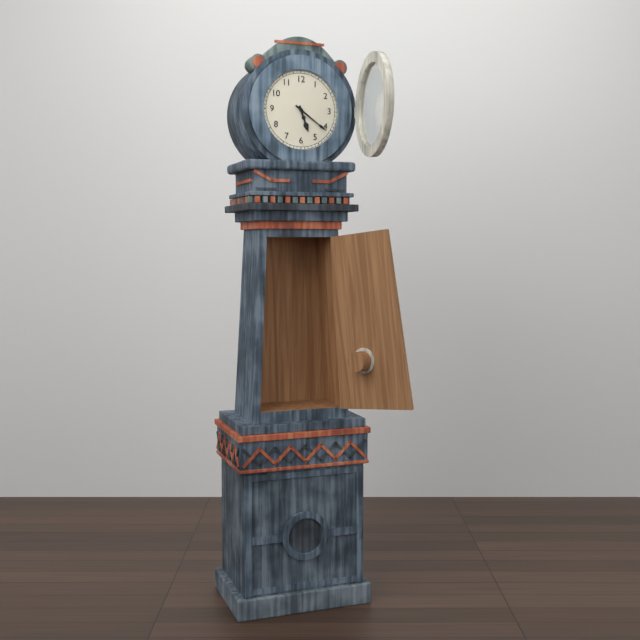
5:21
